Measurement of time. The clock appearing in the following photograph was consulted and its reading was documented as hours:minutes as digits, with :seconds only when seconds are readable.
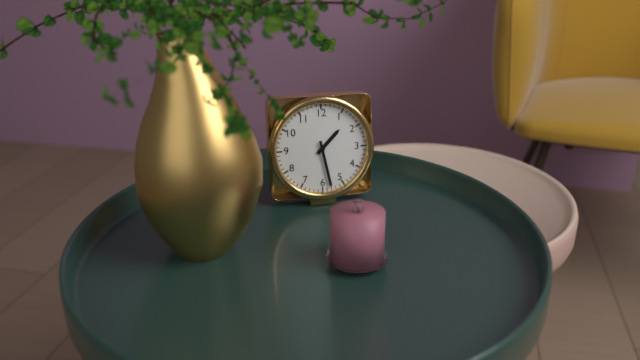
1:28
